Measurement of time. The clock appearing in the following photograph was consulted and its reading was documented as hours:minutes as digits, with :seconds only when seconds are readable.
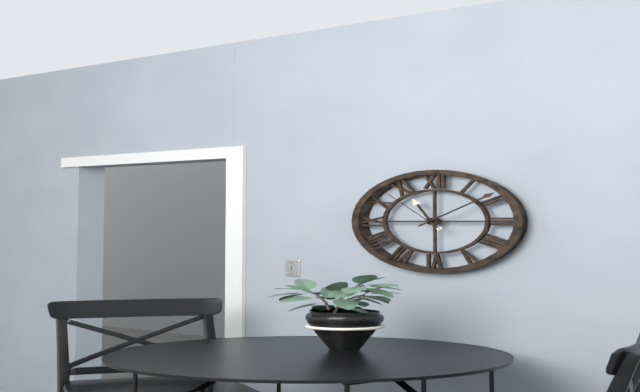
11:09:53
